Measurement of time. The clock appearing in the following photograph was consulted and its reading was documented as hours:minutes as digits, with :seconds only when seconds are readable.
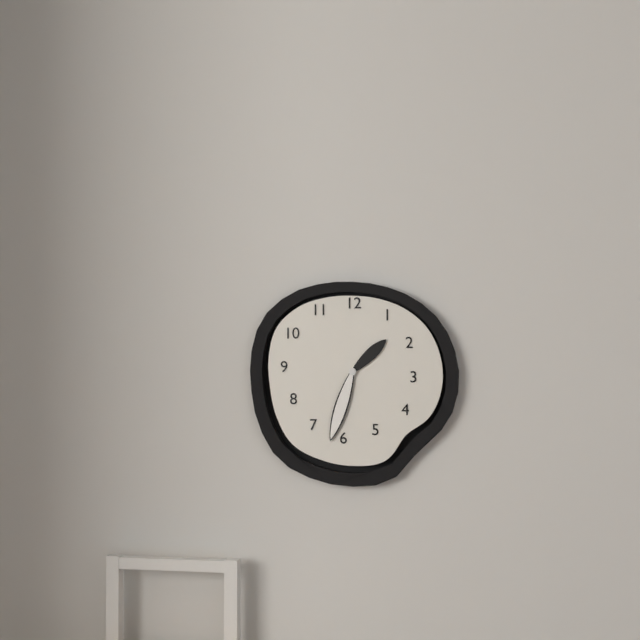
1:33
